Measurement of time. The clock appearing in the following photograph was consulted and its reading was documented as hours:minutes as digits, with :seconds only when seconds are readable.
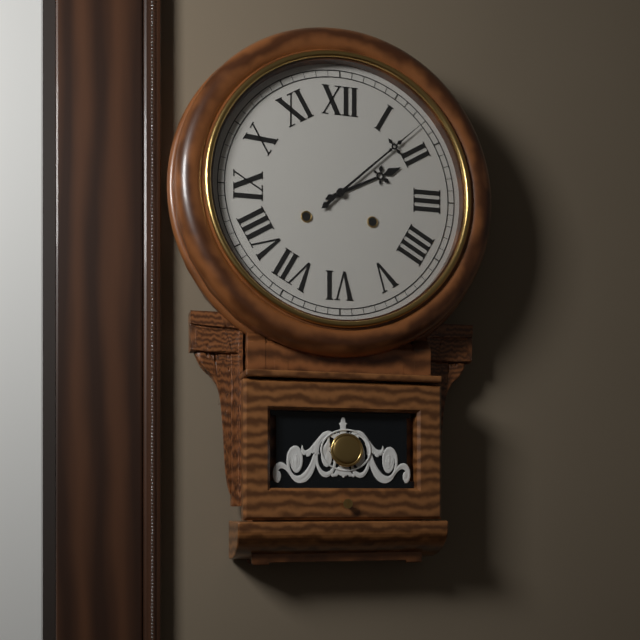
2:08
